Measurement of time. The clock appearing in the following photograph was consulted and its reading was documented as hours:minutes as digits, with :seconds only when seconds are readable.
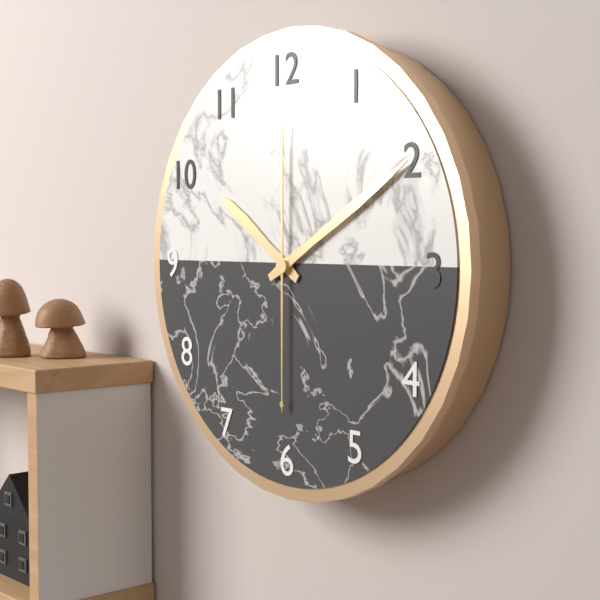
10:10:30
